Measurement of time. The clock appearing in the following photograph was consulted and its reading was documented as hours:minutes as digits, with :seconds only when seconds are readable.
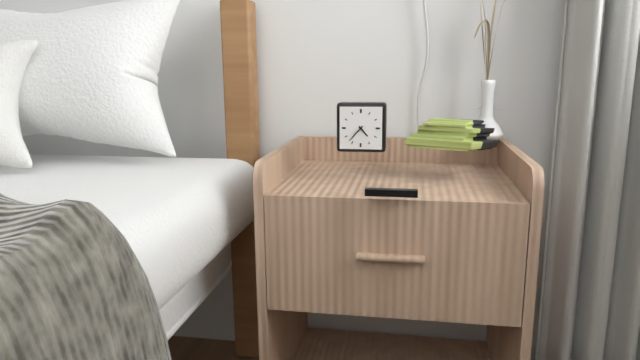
4:37
